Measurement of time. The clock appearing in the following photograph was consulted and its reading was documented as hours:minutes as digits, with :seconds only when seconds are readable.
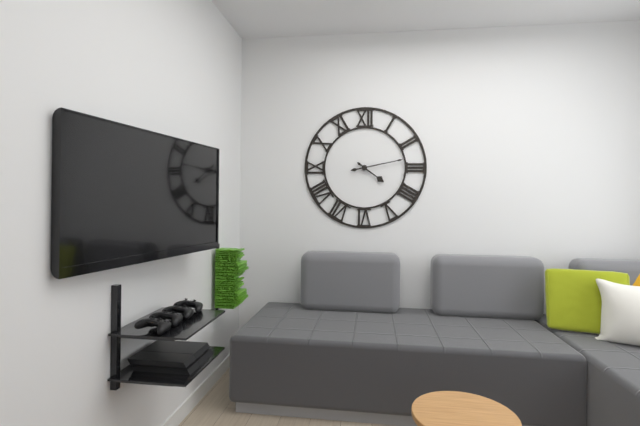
4:13
